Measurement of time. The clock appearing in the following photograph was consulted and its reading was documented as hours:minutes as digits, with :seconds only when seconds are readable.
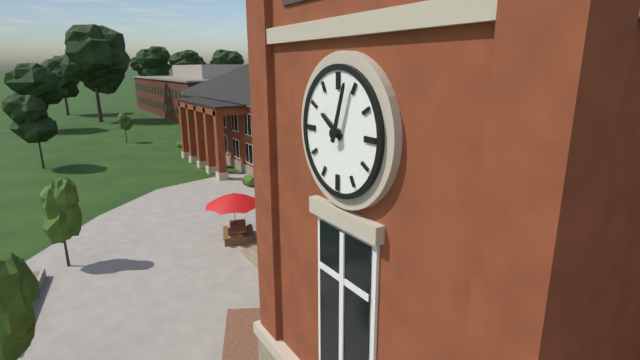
10:03
